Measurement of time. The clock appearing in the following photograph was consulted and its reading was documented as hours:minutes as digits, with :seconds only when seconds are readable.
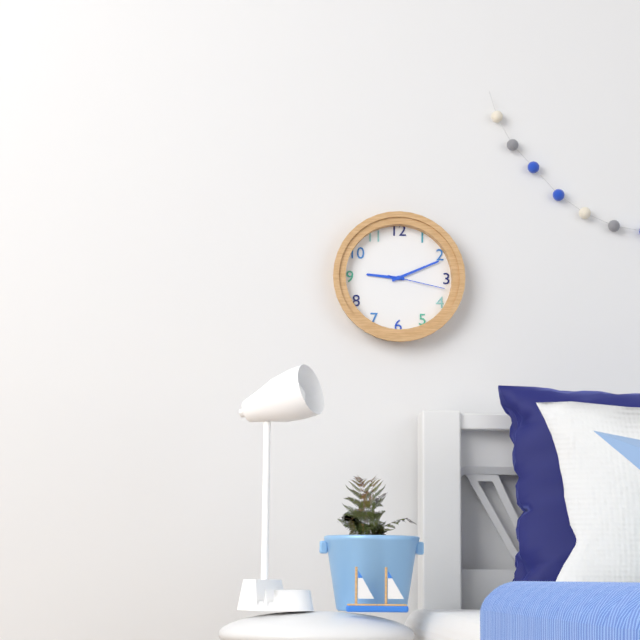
9:11:17
